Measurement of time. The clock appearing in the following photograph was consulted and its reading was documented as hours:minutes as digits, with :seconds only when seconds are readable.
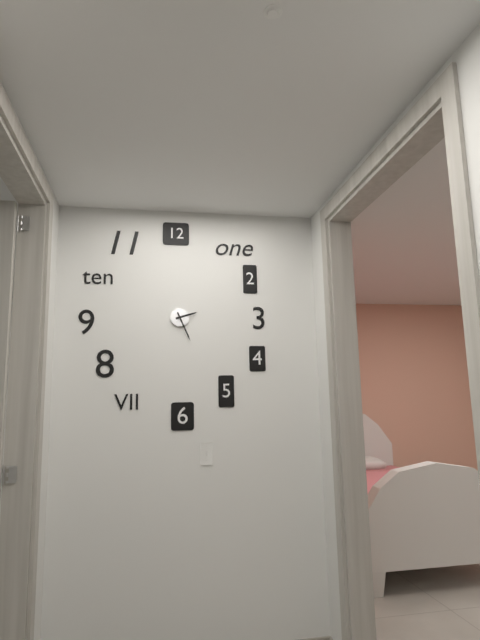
2:26
